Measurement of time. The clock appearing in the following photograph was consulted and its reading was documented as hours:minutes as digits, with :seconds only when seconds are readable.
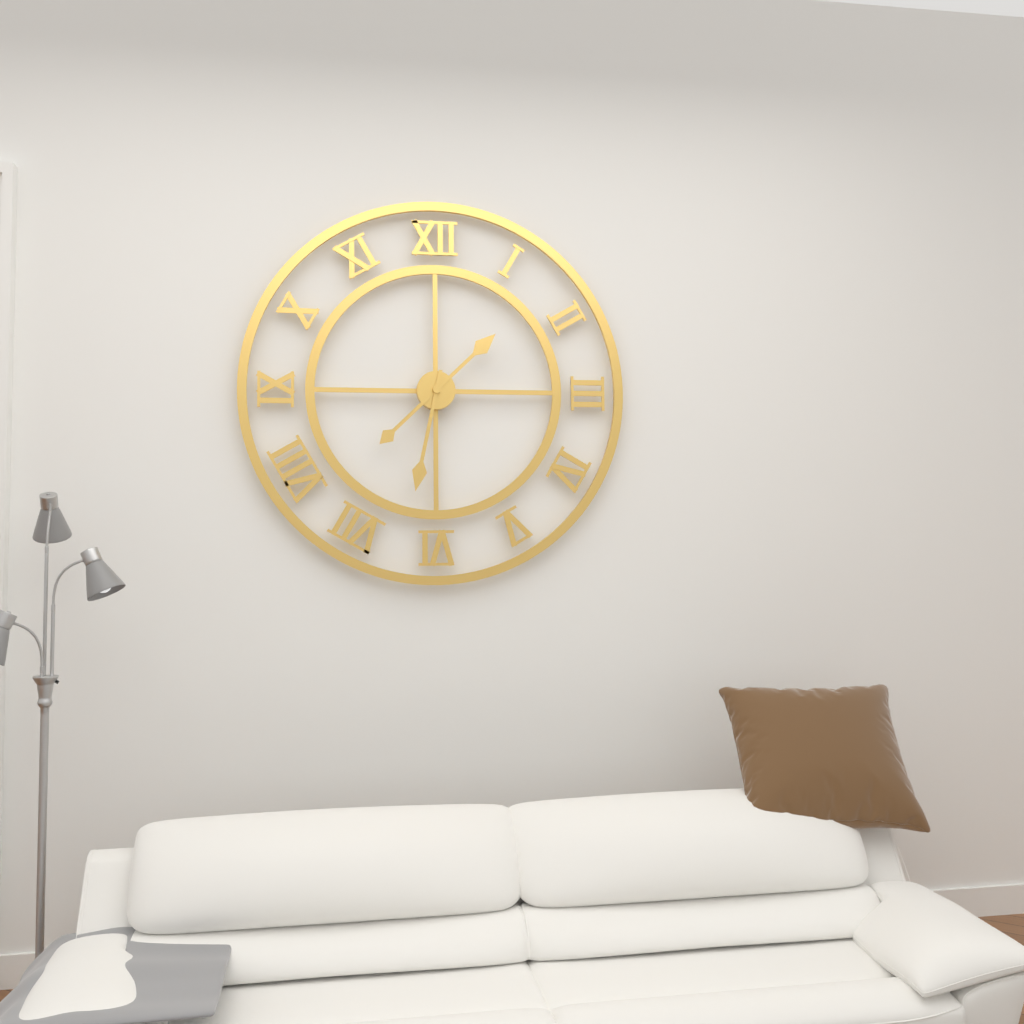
1:32
